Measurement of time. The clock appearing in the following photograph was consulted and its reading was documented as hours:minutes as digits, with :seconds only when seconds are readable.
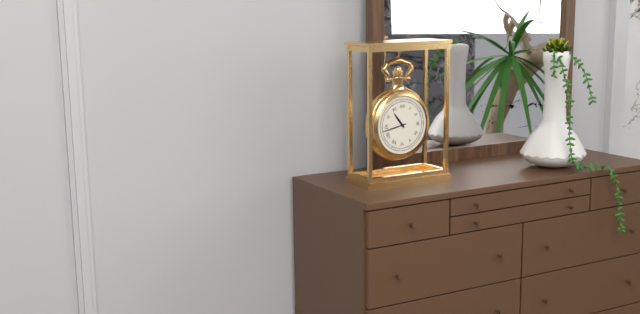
10:43
